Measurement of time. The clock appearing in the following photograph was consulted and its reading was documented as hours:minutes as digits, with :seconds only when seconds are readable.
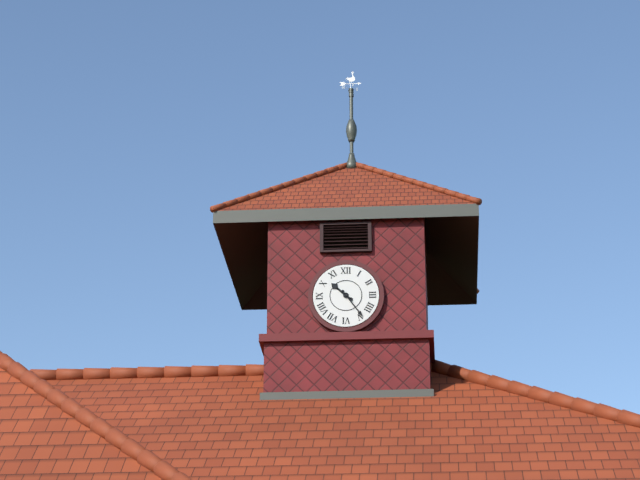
10:24
